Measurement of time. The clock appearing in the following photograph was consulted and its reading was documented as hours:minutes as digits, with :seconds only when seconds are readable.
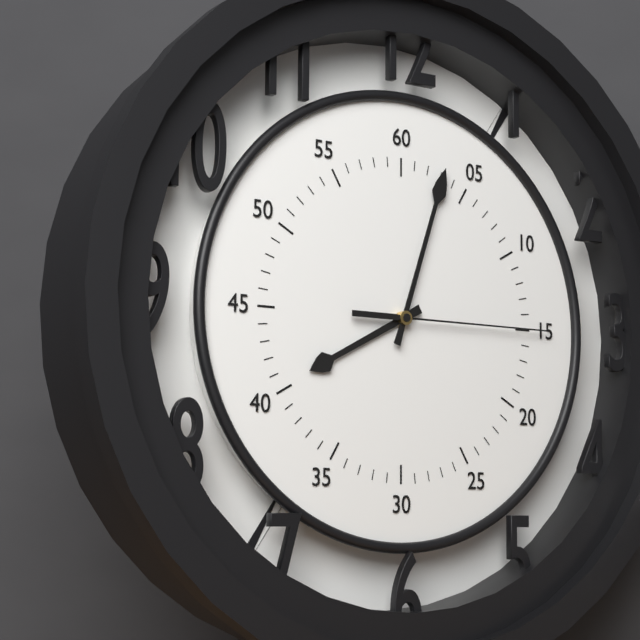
8:03:15
